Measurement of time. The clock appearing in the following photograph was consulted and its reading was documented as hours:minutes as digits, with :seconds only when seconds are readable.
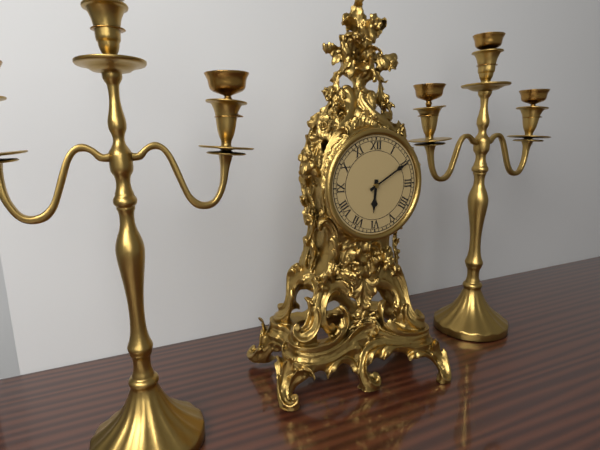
6:10
